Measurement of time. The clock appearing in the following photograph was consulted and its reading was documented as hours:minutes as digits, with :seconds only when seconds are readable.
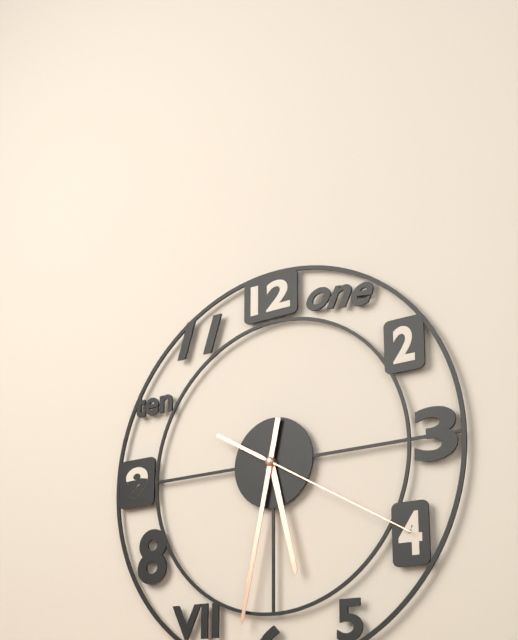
5:32:20
